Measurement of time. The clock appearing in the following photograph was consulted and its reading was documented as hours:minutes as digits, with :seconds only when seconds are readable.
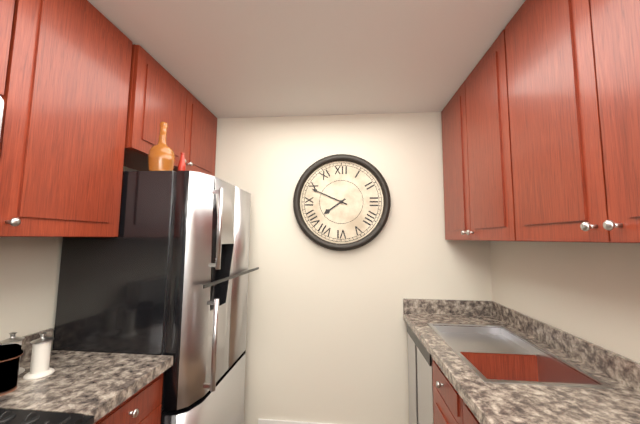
7:49
